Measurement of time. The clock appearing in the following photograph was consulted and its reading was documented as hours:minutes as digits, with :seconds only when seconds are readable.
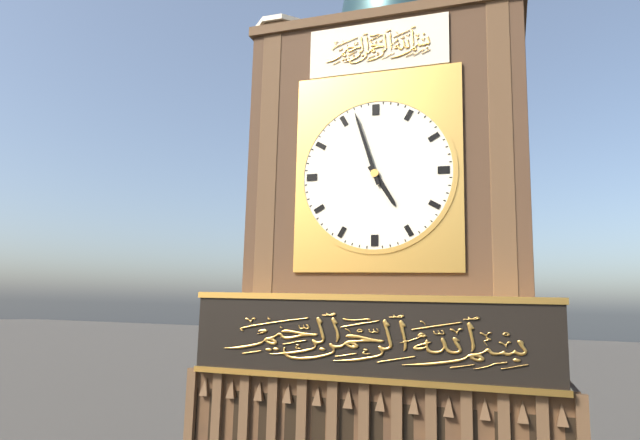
4:57
